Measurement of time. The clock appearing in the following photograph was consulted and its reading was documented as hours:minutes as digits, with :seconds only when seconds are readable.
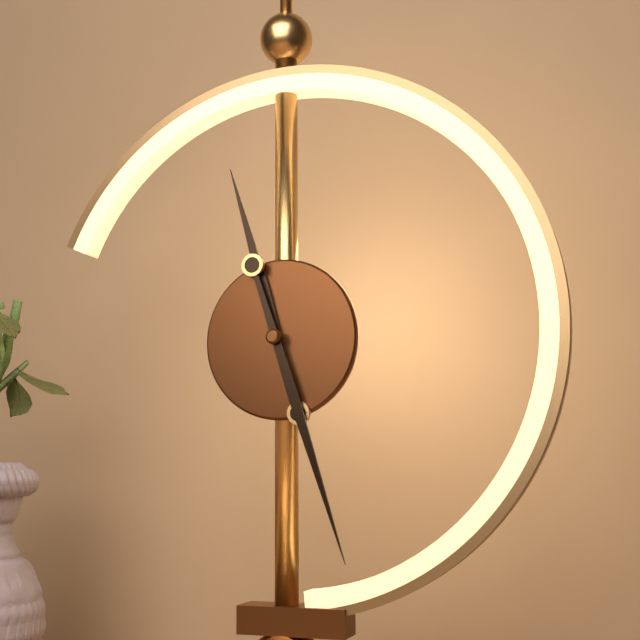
11:27
